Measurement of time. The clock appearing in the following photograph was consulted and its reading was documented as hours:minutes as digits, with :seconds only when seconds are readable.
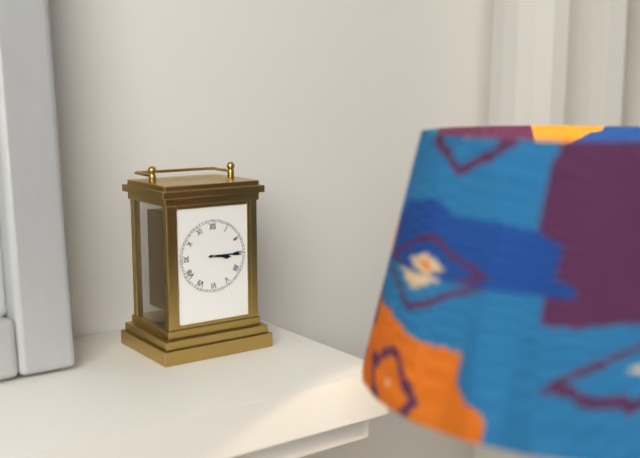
3:15
